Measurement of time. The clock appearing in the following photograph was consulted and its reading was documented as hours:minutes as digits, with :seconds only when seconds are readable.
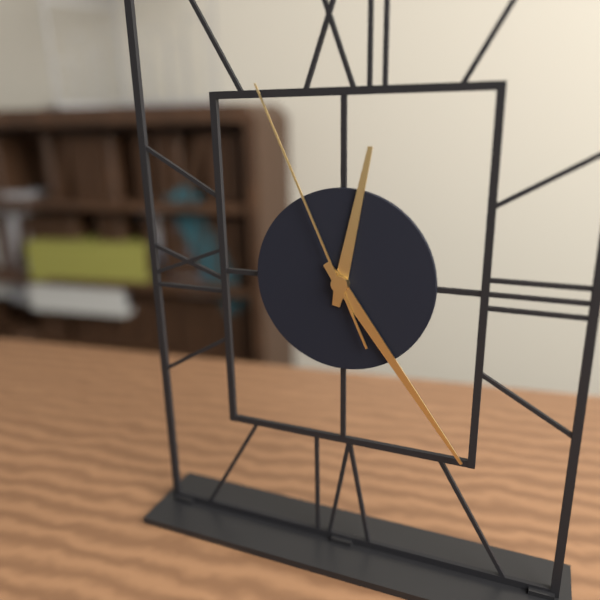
12:24:56
